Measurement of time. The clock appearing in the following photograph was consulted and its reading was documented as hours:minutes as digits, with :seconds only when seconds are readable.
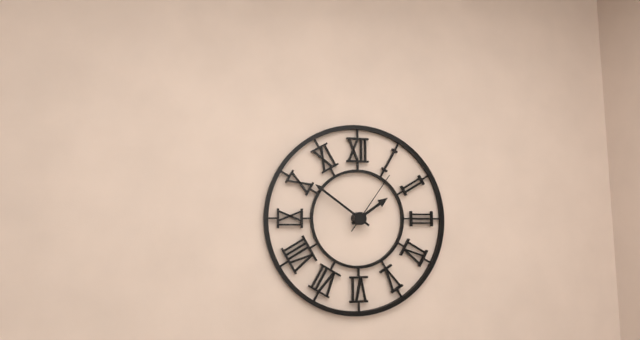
1:51:06
